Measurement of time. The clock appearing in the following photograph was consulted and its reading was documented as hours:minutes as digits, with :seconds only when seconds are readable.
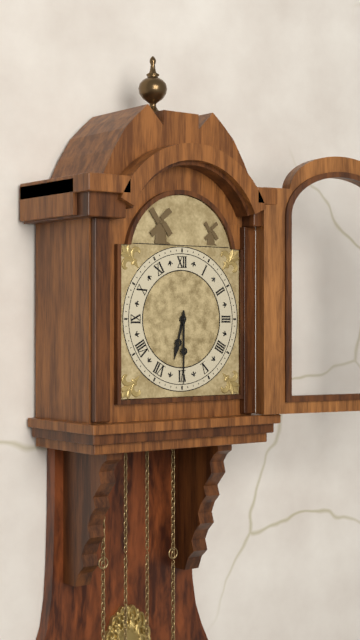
6:30
